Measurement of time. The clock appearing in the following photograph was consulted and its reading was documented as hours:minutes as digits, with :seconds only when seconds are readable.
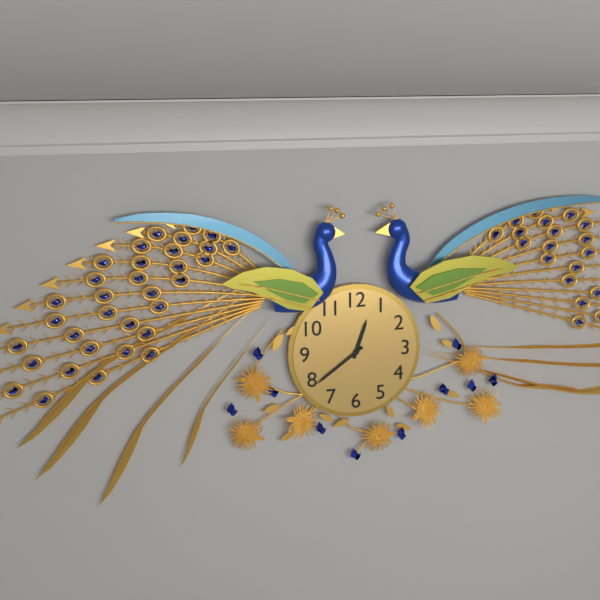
12:39
